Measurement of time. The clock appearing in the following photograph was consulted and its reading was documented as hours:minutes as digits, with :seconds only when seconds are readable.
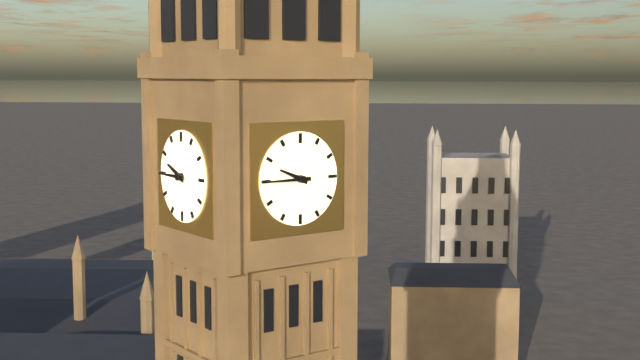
9:45
